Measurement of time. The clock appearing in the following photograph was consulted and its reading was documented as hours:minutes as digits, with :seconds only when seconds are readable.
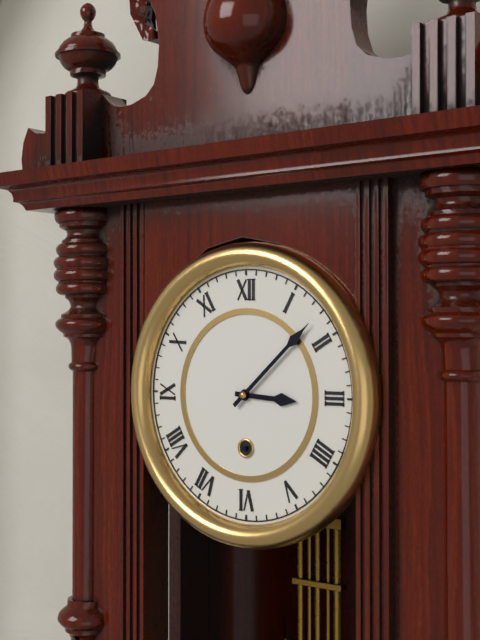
3:08
